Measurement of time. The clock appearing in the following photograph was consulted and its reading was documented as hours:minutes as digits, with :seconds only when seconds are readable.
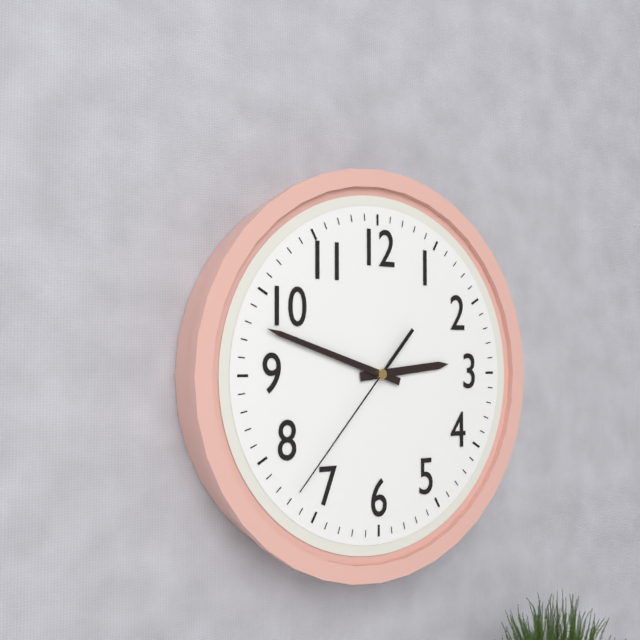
2:48:37
